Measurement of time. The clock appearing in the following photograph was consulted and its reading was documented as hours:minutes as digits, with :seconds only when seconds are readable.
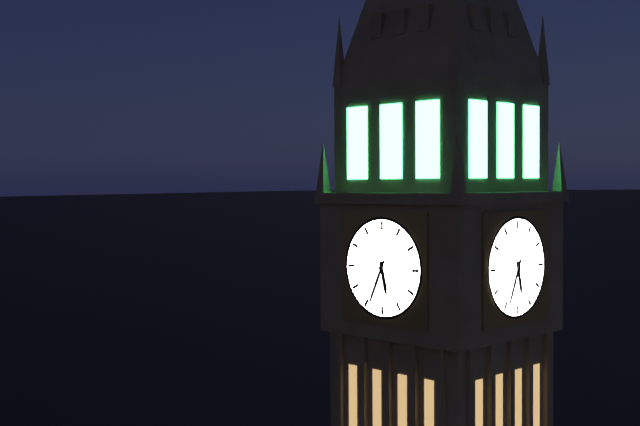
5:34
